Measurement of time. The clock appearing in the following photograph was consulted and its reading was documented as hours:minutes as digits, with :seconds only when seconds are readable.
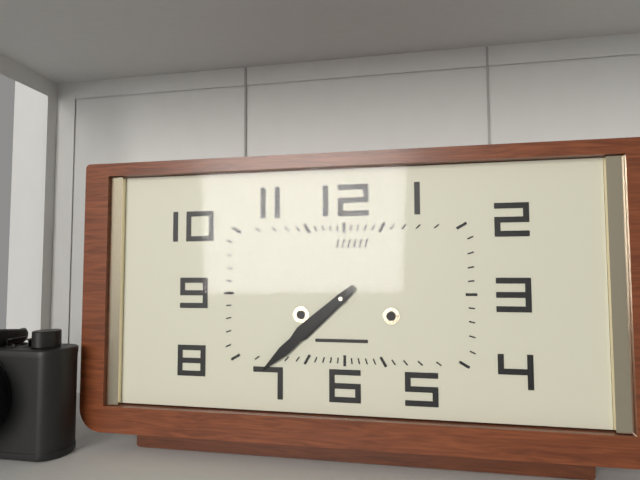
7:38
